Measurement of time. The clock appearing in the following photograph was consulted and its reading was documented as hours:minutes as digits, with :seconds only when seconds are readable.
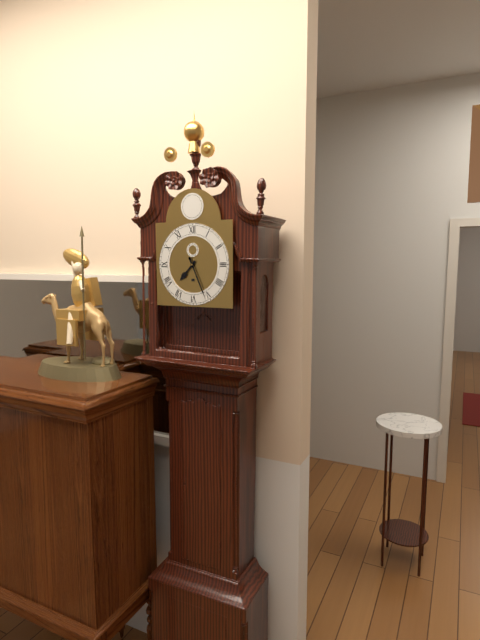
7:26
